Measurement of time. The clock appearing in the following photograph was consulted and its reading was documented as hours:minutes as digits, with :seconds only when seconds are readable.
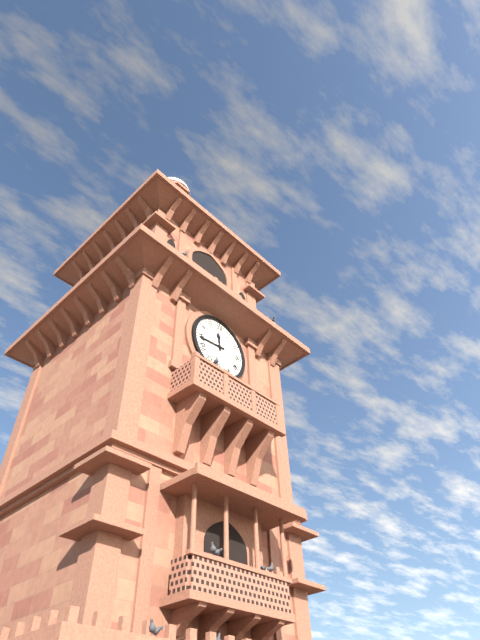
11:44
